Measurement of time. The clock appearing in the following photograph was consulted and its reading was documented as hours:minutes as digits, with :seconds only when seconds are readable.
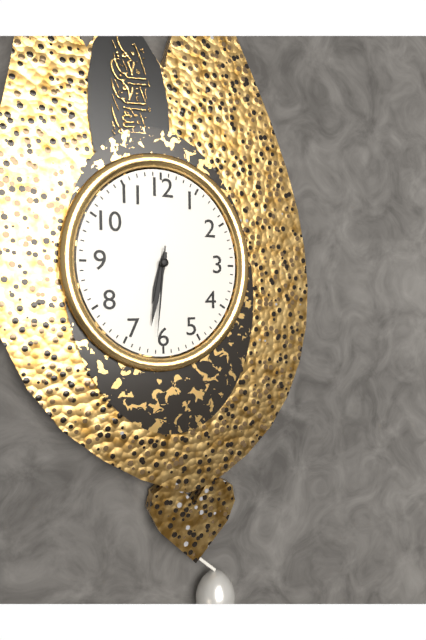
6:32:31
